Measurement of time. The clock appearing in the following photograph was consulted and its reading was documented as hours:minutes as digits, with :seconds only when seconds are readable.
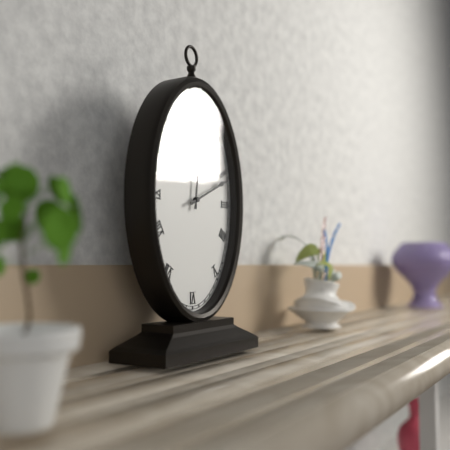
12:11
